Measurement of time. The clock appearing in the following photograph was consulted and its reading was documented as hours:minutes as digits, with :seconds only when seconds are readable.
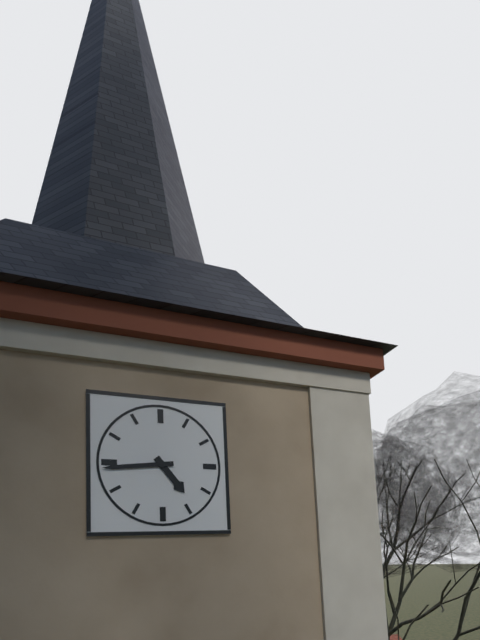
4:44
